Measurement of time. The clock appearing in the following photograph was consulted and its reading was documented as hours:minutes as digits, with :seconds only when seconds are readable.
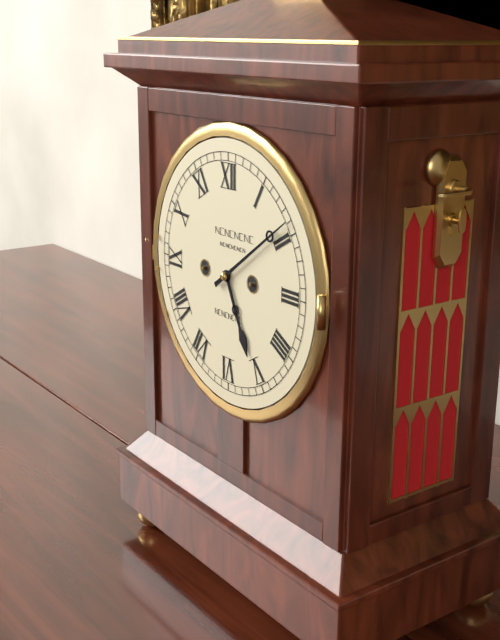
5:09
